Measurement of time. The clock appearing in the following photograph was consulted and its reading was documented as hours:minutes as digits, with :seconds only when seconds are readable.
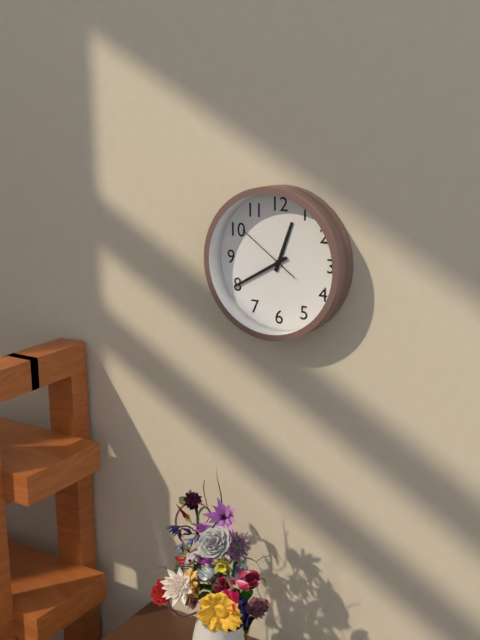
12:40:51
